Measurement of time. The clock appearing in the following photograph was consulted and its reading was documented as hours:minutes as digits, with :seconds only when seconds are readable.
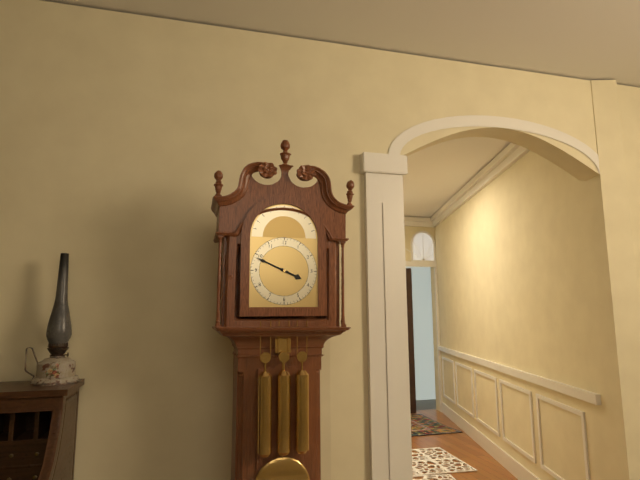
3:49
